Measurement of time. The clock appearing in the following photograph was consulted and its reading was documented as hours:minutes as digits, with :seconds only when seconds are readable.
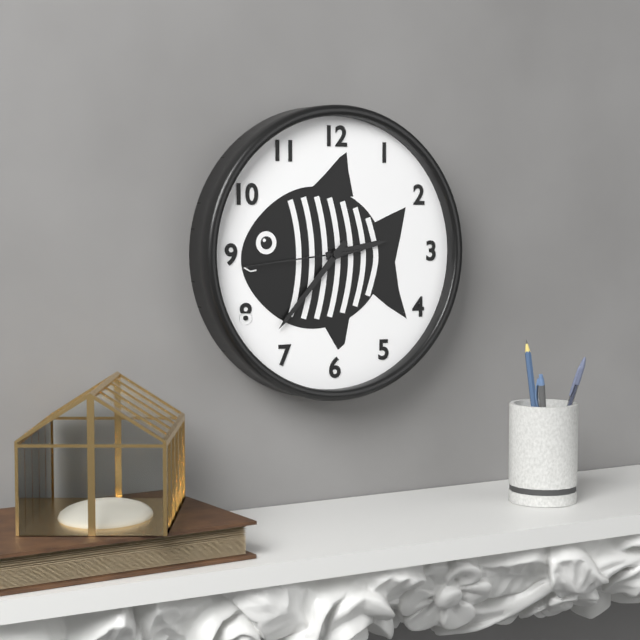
2:37:44
